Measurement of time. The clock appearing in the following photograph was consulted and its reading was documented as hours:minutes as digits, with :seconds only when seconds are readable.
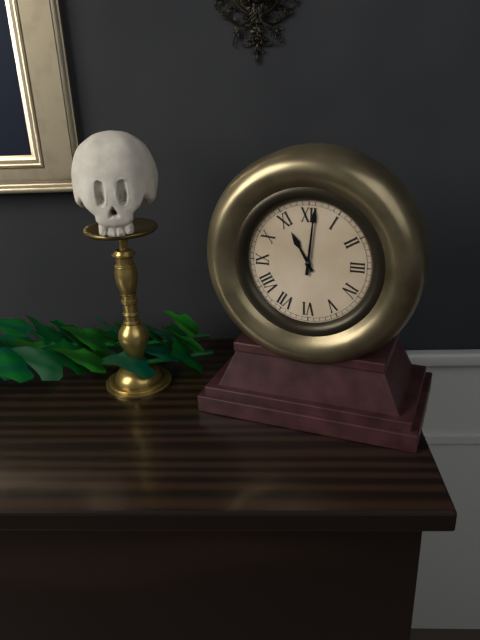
11:01
